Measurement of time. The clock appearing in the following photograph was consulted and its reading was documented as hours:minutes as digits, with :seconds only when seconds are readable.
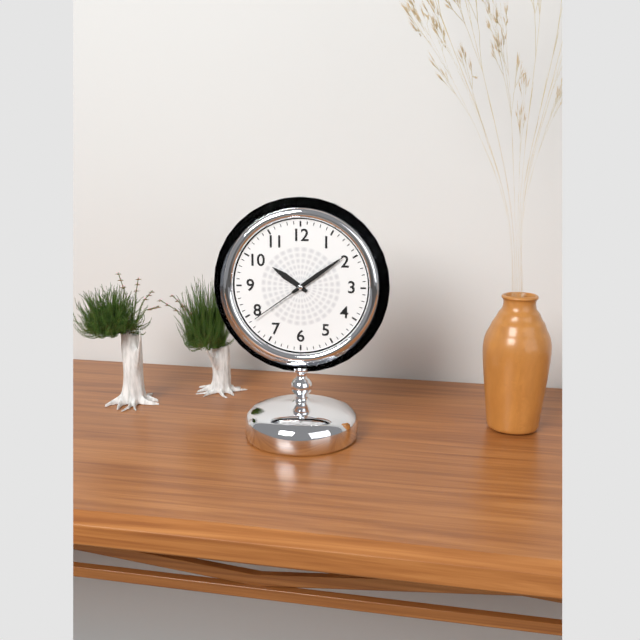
10:09:39
